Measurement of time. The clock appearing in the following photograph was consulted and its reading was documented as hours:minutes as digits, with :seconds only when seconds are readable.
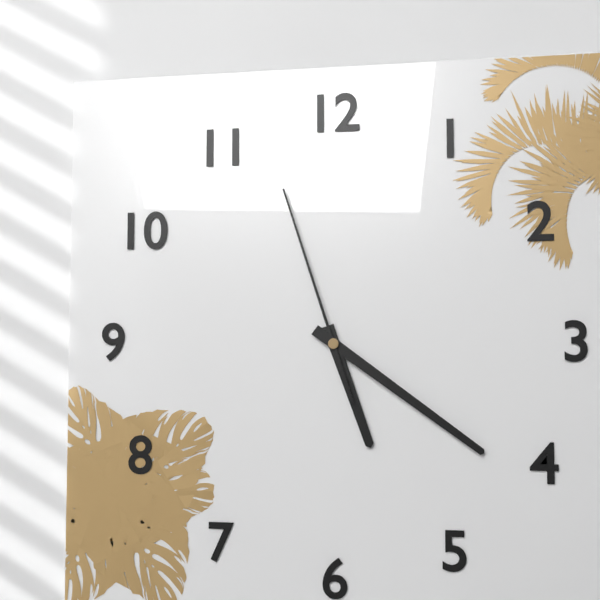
5:21:57
